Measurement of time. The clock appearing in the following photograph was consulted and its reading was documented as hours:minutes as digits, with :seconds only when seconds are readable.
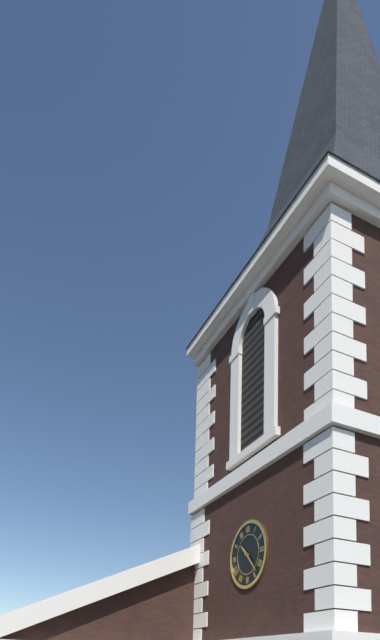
10:23
